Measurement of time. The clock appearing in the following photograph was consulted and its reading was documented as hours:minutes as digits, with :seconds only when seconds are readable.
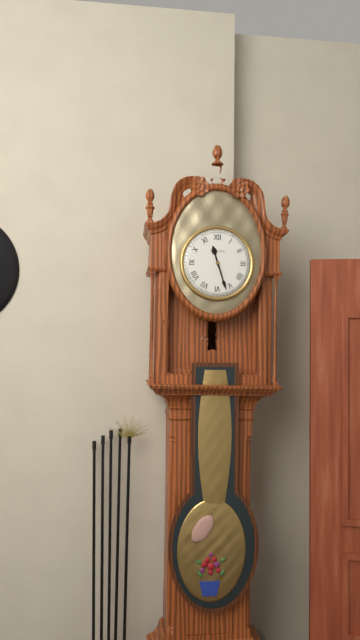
11:27
